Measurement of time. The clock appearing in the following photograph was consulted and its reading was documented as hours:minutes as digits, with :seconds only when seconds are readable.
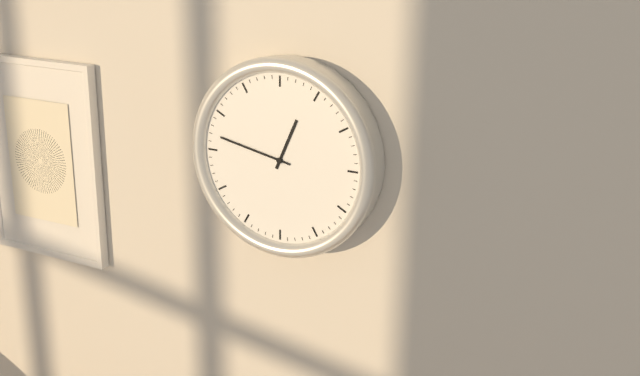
12:47
